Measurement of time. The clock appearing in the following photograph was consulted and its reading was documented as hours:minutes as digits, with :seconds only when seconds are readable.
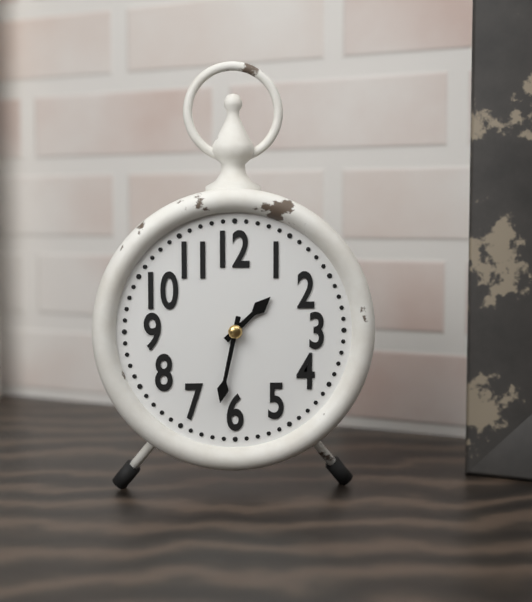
1:32
